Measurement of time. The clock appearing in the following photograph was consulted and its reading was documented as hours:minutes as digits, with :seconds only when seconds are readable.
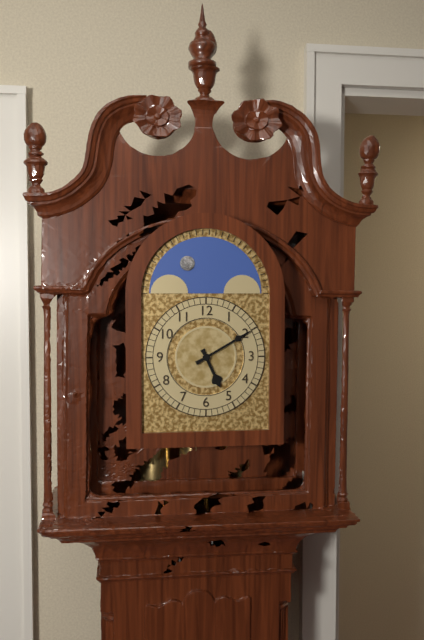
5:10
